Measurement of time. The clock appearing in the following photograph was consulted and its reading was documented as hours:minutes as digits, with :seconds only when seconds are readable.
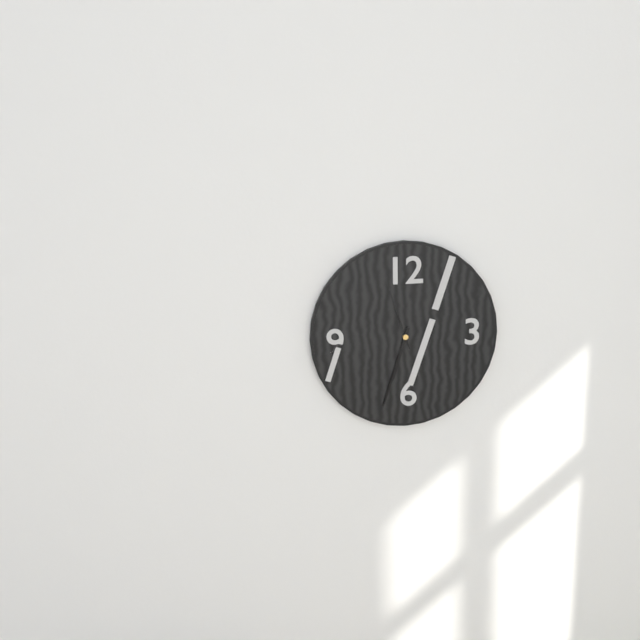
6:33:57
